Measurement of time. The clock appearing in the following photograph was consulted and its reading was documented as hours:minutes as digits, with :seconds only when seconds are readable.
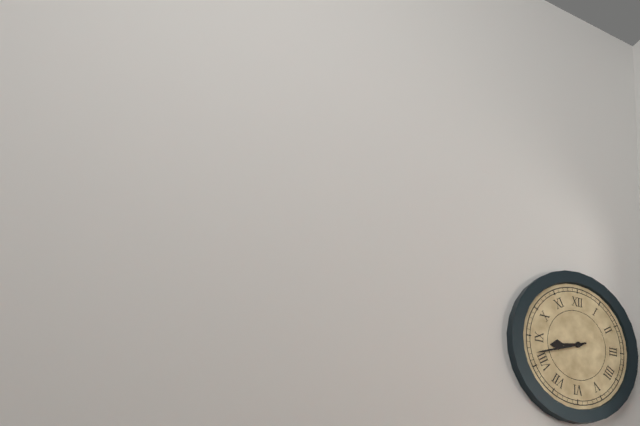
8:42
